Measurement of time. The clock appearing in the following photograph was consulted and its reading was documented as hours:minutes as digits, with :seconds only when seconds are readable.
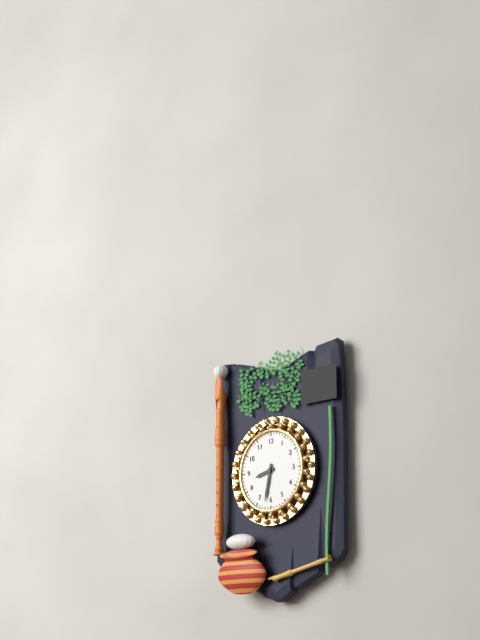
8:32
